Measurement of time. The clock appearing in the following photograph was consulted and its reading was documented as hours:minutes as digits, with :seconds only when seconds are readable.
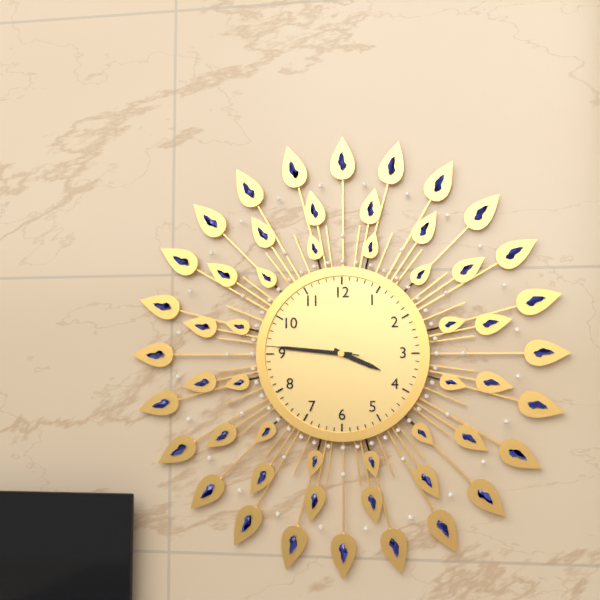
3:46:46
